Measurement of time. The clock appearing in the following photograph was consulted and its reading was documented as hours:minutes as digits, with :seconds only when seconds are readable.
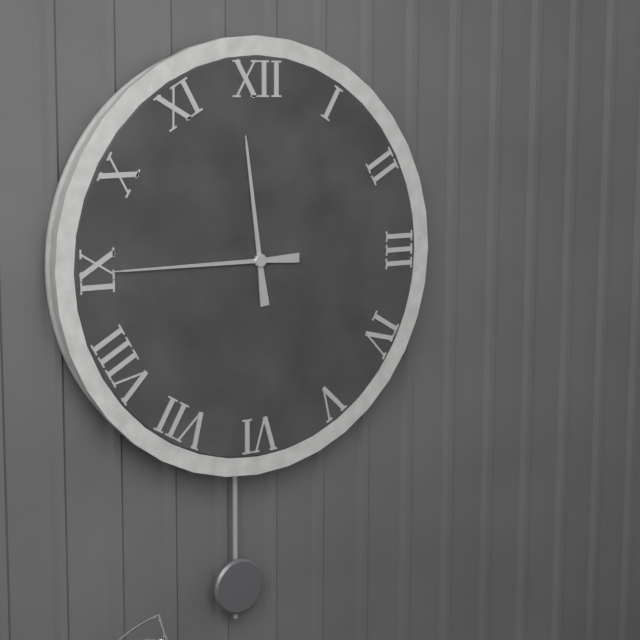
11:45
